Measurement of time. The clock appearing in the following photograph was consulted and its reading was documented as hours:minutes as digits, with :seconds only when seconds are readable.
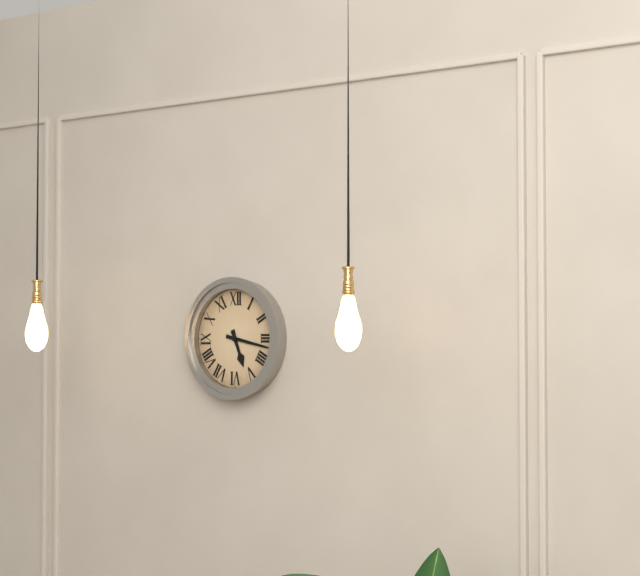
5:17
